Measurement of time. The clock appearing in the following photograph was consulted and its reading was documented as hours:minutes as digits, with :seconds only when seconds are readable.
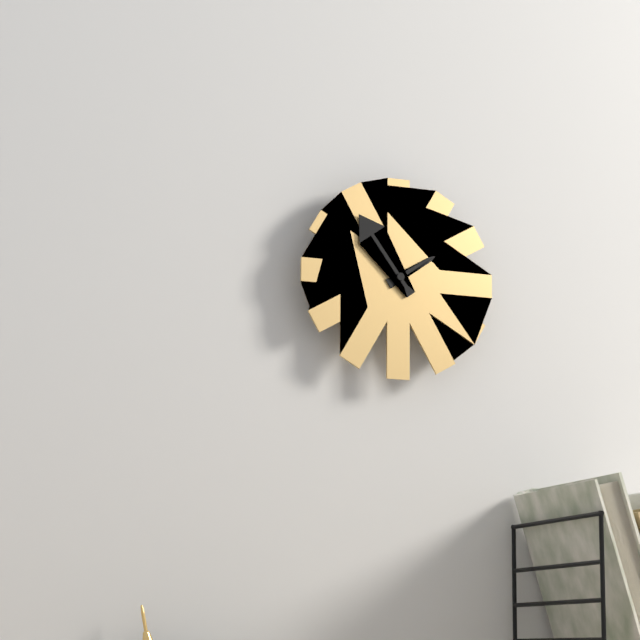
1:54
